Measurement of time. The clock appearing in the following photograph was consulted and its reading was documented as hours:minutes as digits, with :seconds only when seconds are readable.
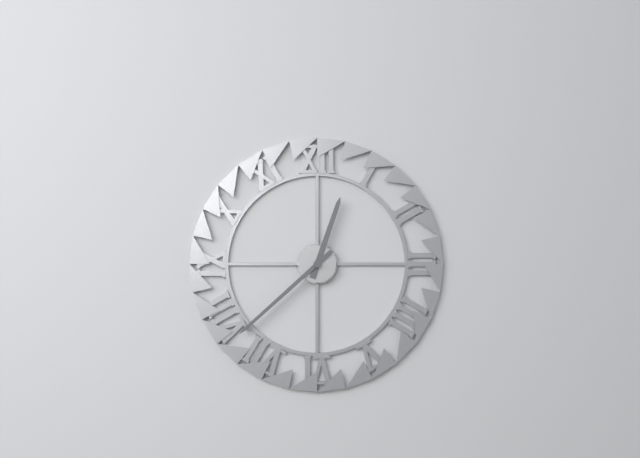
12:38
